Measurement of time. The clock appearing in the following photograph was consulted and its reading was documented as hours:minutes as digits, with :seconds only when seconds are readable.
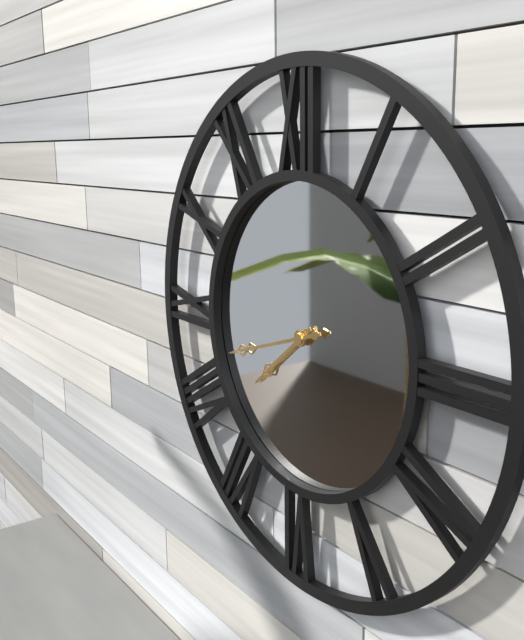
7:42
